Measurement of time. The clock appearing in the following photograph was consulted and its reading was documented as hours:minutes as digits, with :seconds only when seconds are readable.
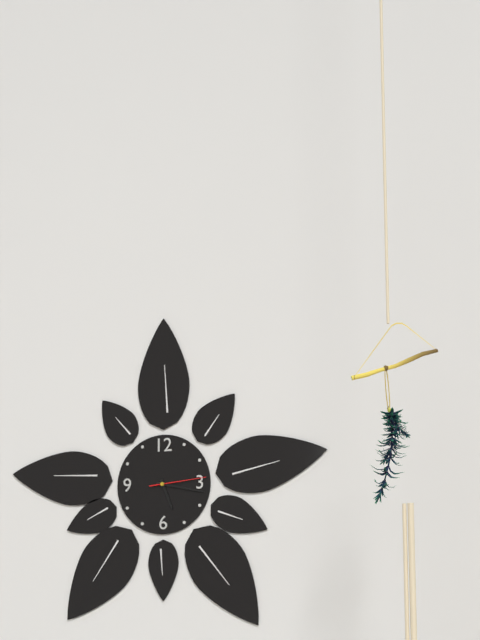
5:17:14
